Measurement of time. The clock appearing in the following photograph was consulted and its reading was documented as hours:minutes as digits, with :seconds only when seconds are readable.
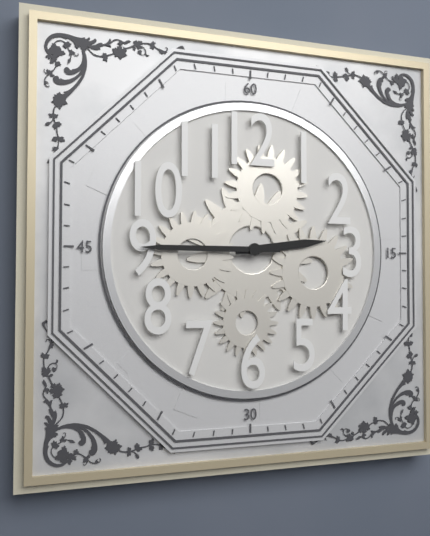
2:45
